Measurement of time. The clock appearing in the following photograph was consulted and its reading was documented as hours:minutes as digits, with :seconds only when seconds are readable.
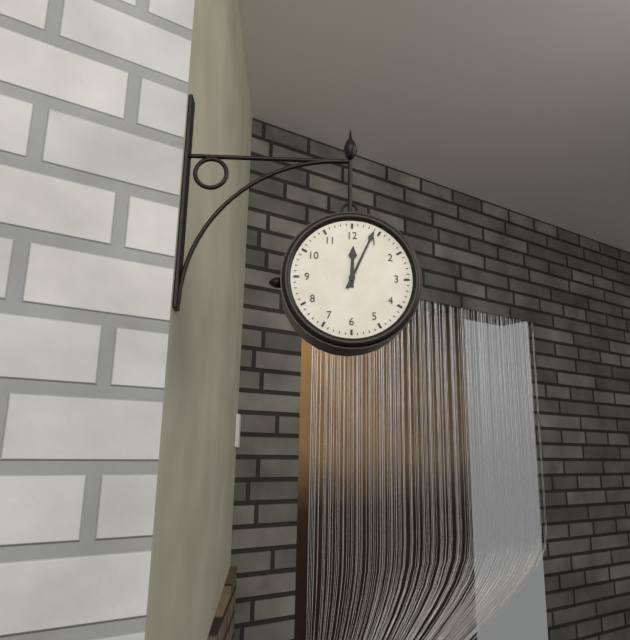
12:04
